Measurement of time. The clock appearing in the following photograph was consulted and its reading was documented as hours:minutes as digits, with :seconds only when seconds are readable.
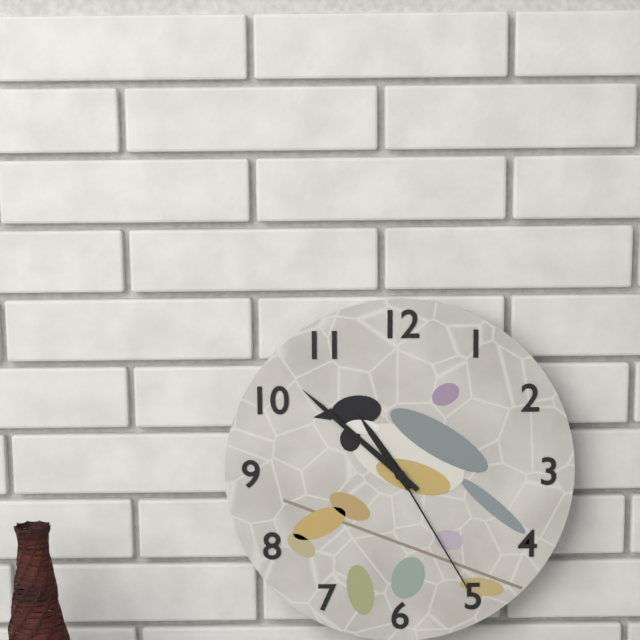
10:52:25
